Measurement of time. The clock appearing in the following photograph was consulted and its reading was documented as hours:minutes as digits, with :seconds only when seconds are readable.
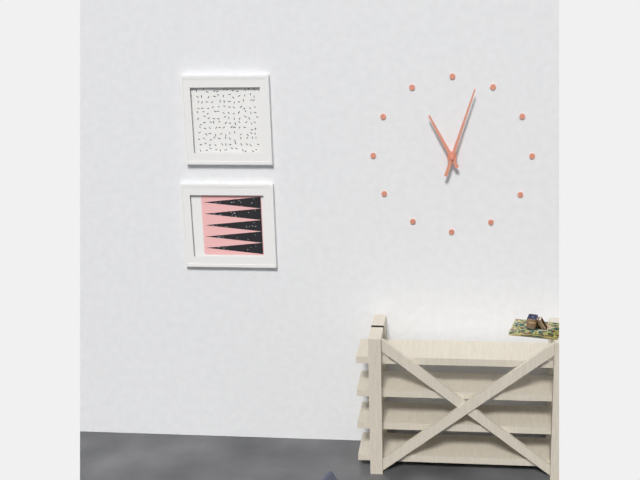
11:03
